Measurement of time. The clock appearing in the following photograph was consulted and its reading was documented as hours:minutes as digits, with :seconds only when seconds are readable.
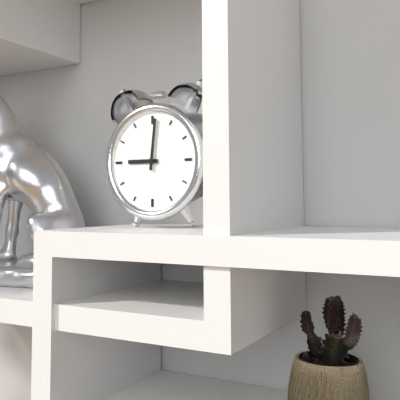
9:01
